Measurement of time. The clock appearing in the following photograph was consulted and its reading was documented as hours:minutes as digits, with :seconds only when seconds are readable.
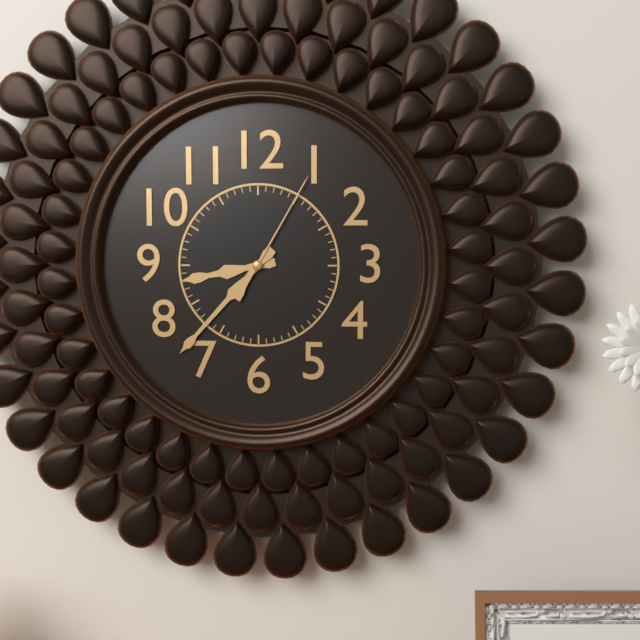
8:37:05
